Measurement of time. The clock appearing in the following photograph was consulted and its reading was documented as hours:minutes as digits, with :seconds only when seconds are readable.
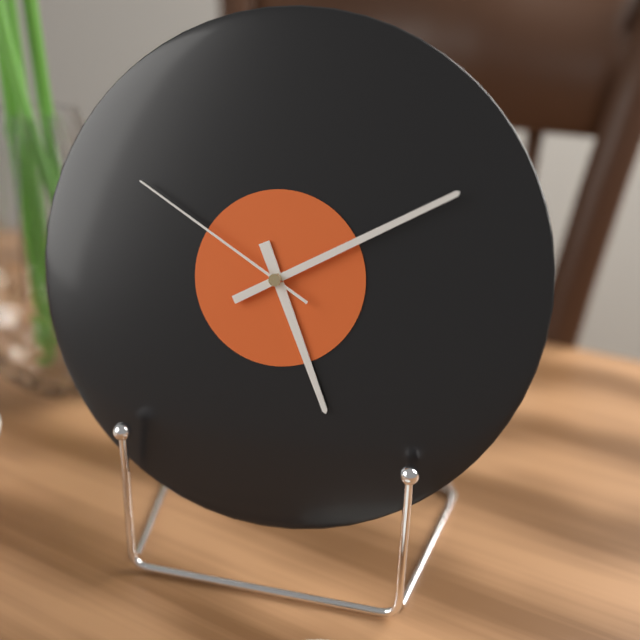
5:10:50
